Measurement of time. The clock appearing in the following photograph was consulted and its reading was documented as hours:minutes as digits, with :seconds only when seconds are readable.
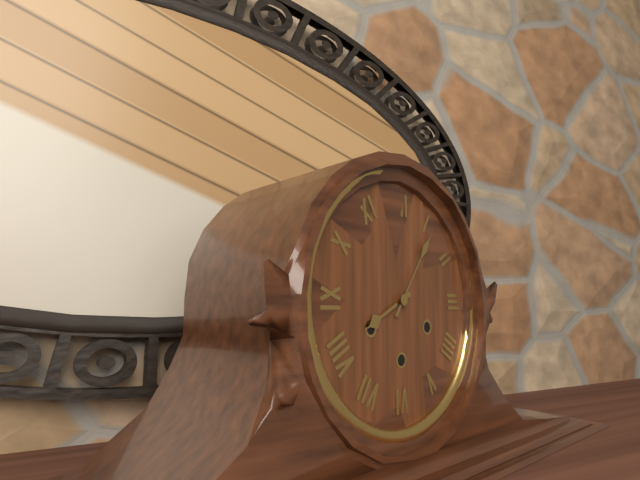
8:06
